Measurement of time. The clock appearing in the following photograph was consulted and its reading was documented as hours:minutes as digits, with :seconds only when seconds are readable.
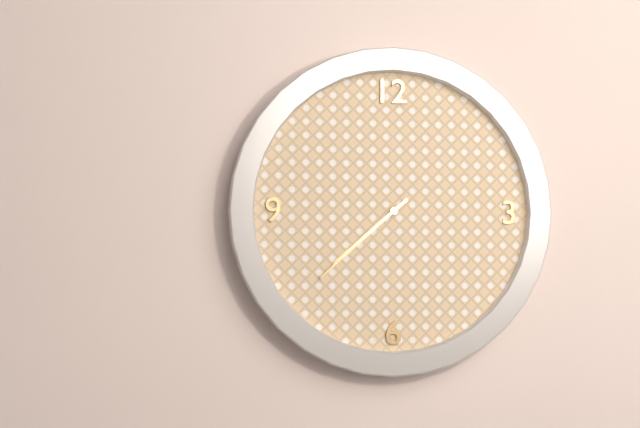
7:38
